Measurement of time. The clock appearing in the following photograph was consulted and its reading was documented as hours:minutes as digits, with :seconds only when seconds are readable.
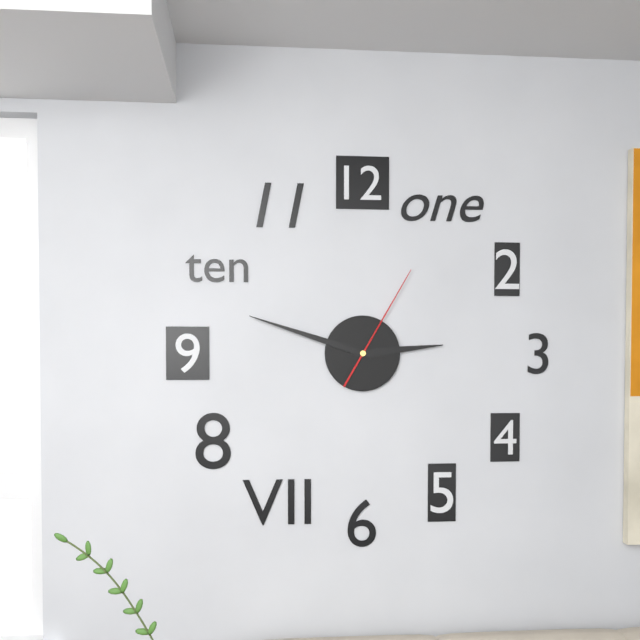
2:48:05
